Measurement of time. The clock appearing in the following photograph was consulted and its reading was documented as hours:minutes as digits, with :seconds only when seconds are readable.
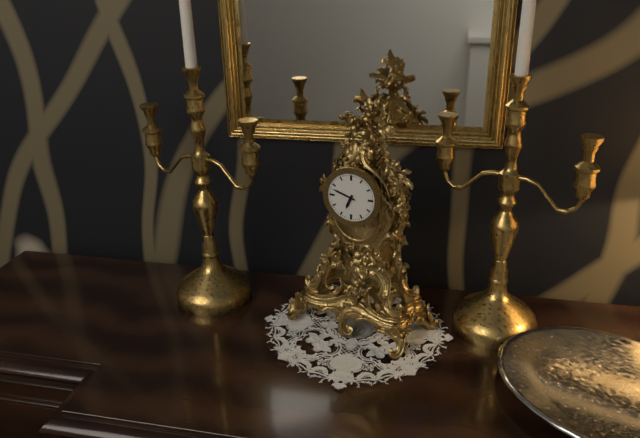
6:48
